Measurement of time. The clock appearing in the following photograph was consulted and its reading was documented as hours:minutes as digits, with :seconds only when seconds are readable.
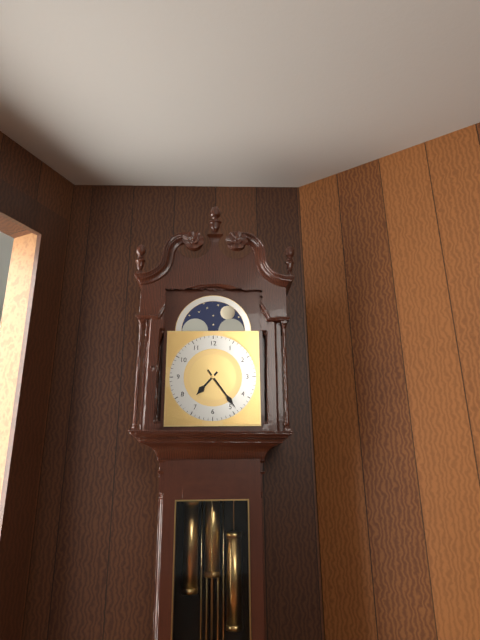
7:24
